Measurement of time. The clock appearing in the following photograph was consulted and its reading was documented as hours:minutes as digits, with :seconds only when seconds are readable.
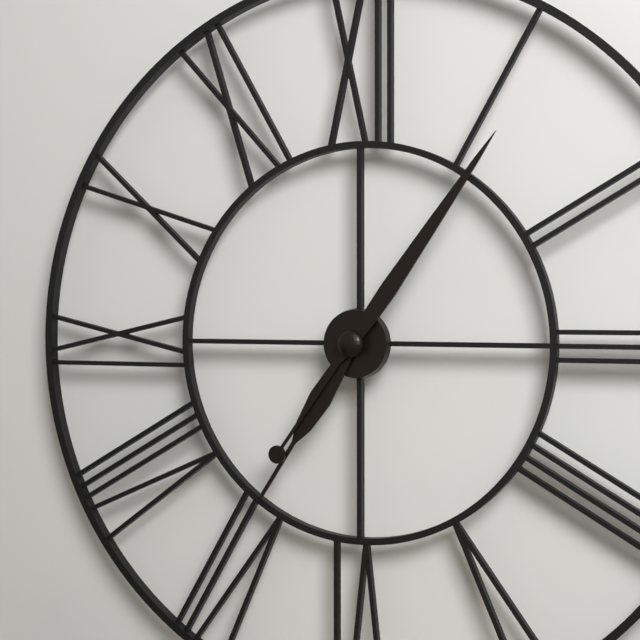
7:06
